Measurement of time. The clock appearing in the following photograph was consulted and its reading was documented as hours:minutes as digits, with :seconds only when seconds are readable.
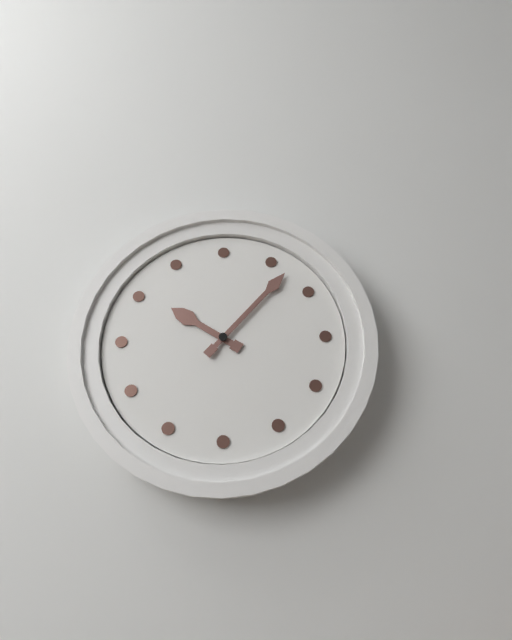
10:07
